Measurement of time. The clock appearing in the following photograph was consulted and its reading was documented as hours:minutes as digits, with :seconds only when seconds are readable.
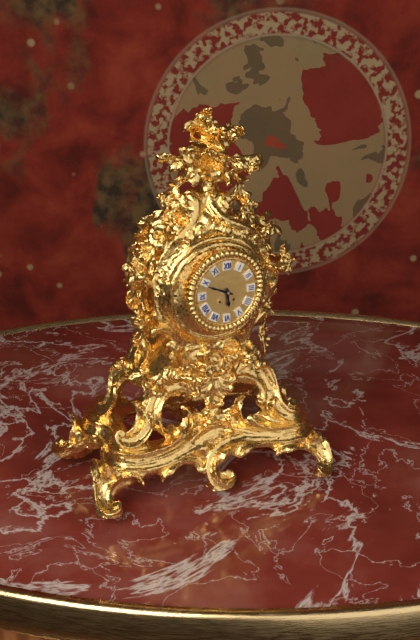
5:49
